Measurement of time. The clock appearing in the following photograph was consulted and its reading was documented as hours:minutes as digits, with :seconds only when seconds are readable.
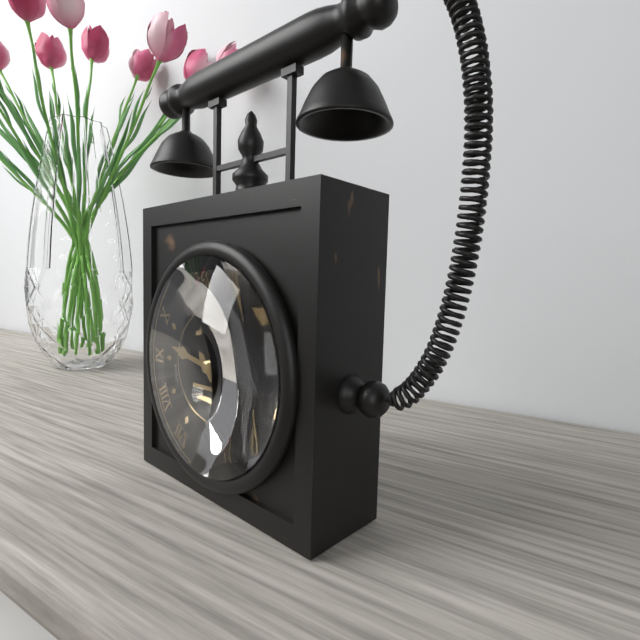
9:24
